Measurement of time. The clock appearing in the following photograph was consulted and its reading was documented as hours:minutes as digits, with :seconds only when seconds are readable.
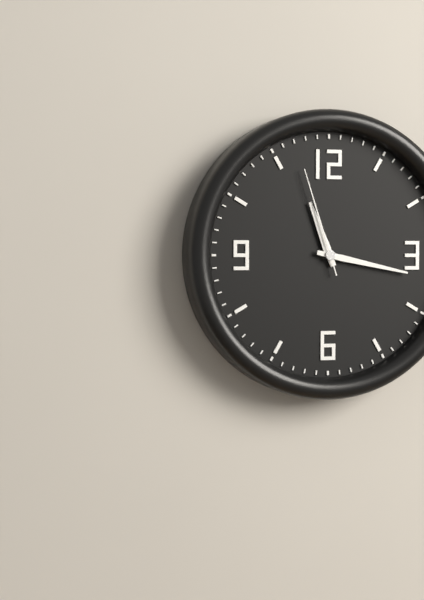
11:17:57
